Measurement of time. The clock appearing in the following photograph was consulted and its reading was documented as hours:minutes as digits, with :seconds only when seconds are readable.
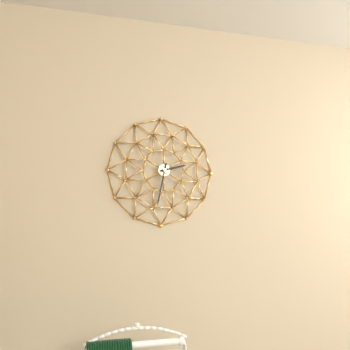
2:32
